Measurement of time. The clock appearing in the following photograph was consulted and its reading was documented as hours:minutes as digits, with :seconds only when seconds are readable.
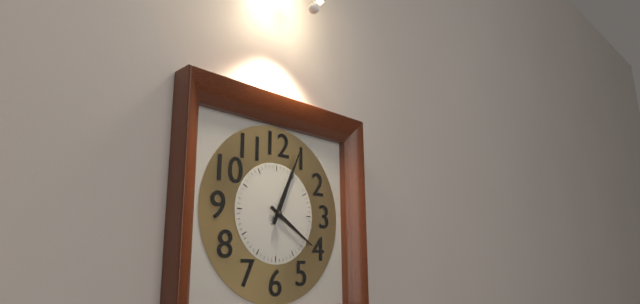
4:04
